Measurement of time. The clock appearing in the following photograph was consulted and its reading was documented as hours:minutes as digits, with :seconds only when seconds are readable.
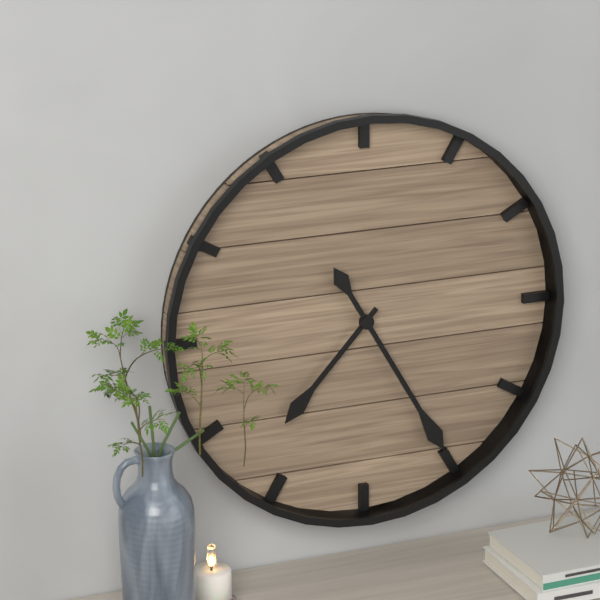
7:25
